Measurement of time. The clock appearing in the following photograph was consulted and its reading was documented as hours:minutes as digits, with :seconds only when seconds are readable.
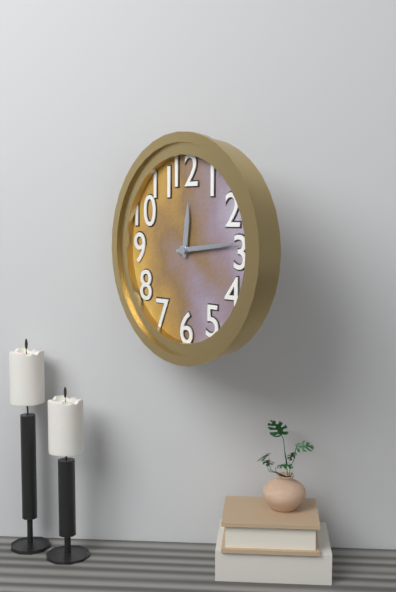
12:14
